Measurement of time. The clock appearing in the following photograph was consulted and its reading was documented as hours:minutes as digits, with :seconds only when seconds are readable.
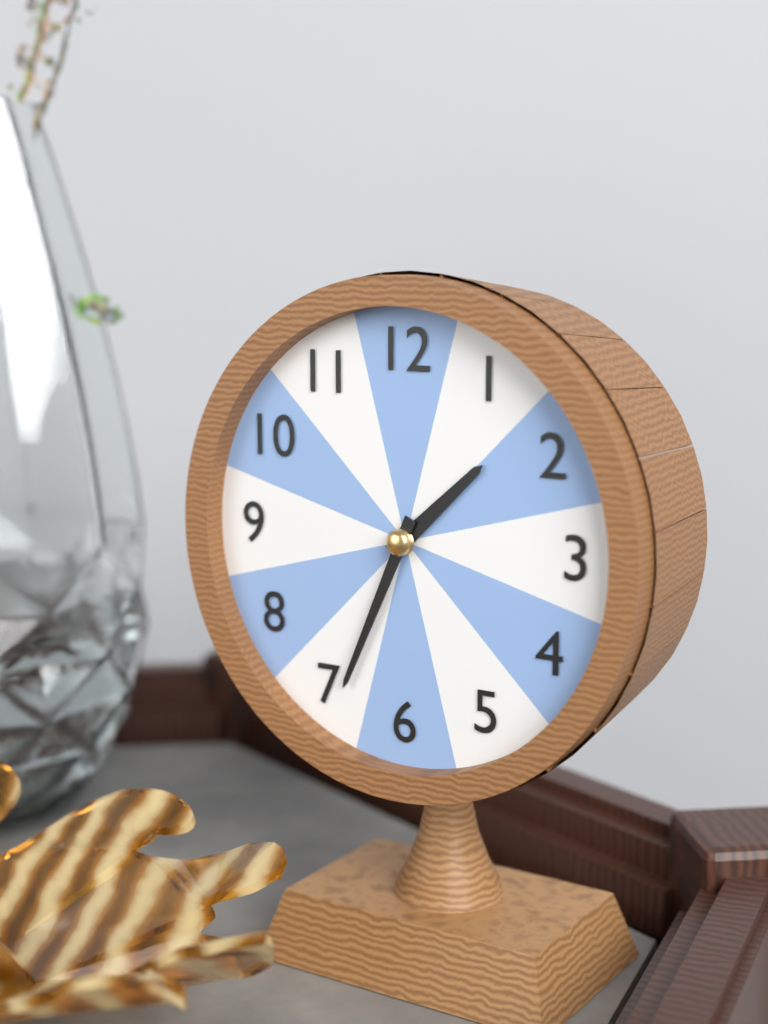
1:34
